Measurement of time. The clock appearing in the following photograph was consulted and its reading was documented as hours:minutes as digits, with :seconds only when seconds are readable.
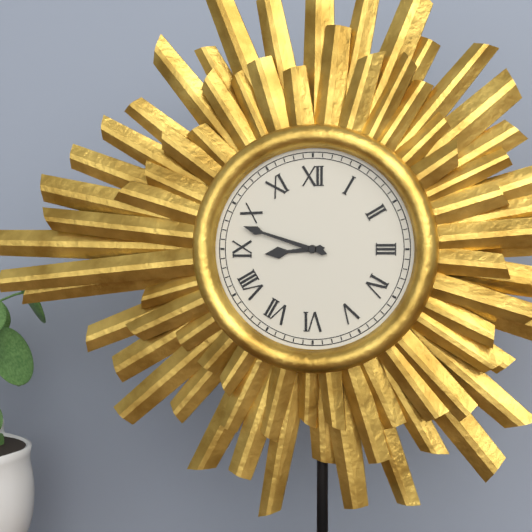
8:48
